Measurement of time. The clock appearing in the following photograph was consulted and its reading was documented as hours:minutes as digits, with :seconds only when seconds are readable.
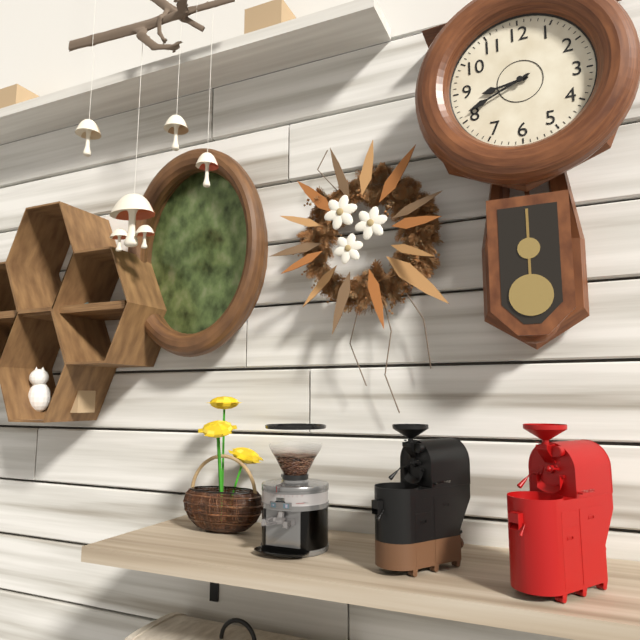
8:41
